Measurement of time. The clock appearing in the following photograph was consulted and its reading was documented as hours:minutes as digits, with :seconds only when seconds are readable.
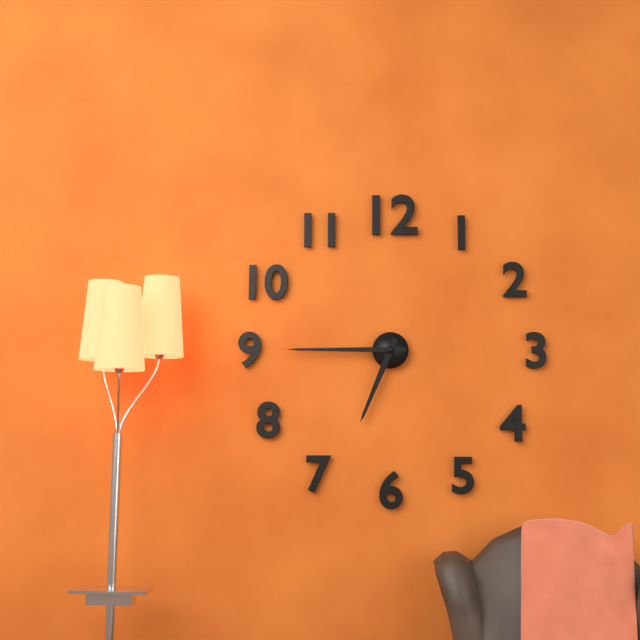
6:45
